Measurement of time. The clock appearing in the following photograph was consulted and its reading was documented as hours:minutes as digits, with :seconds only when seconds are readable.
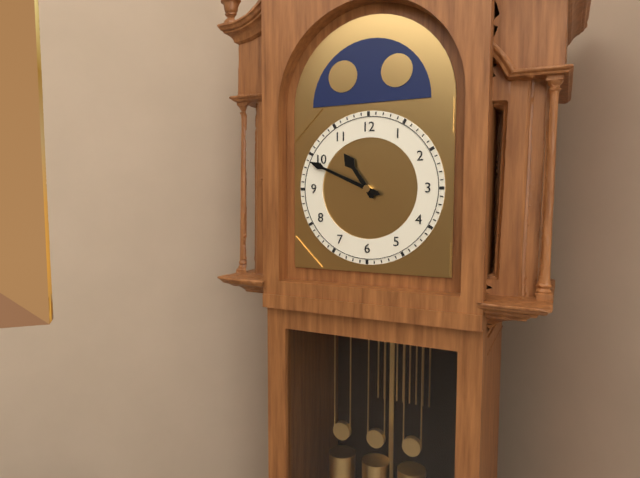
10:49
